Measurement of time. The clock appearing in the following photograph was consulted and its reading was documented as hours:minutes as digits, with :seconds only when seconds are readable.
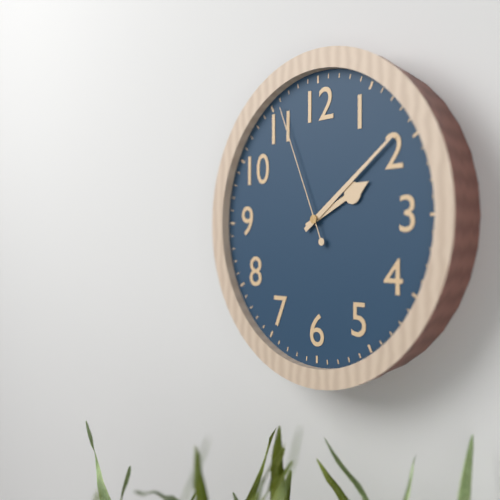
2:09:56
